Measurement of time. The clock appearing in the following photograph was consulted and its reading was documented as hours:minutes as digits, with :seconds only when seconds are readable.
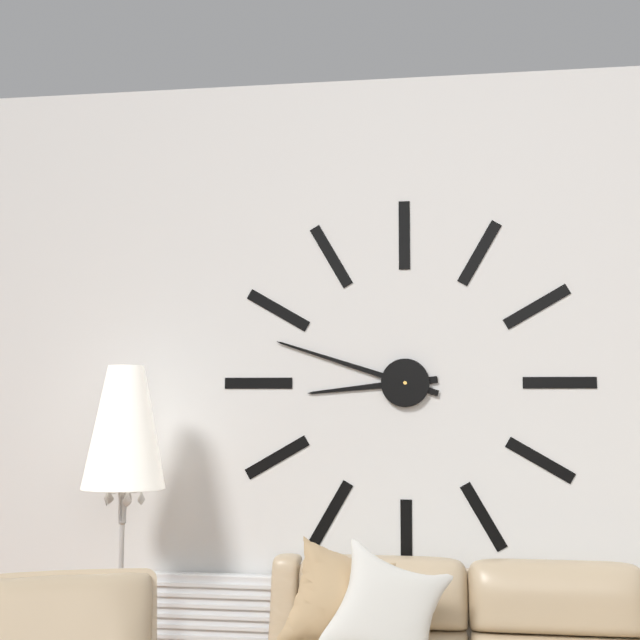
8:48
